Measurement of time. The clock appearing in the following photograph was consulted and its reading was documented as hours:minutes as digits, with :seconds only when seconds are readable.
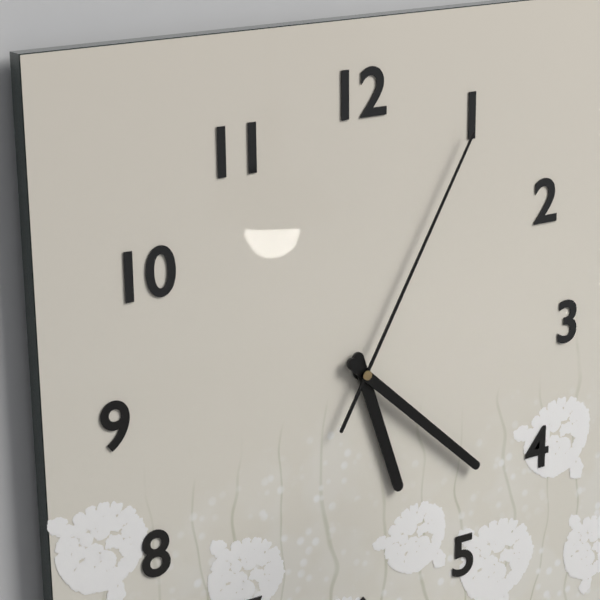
5:22:05
